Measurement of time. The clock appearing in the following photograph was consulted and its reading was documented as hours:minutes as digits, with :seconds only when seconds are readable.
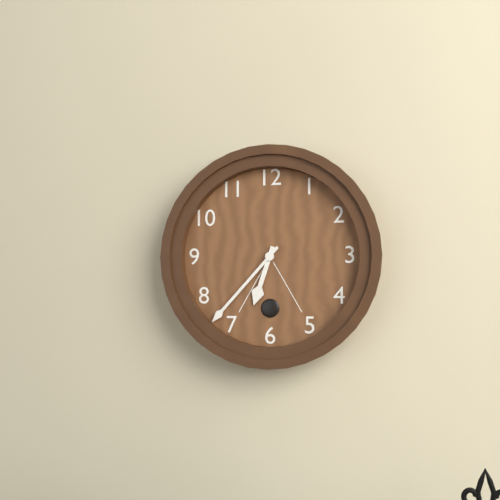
6:37
